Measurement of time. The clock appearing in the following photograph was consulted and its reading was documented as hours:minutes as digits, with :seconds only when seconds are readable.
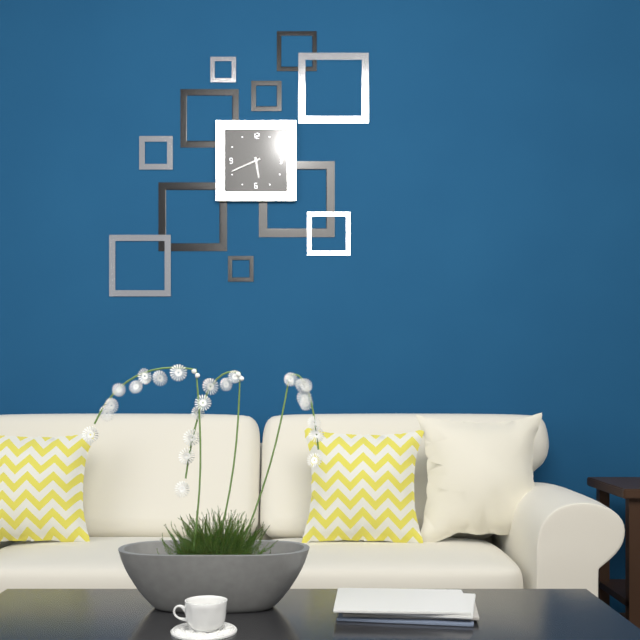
5:41
